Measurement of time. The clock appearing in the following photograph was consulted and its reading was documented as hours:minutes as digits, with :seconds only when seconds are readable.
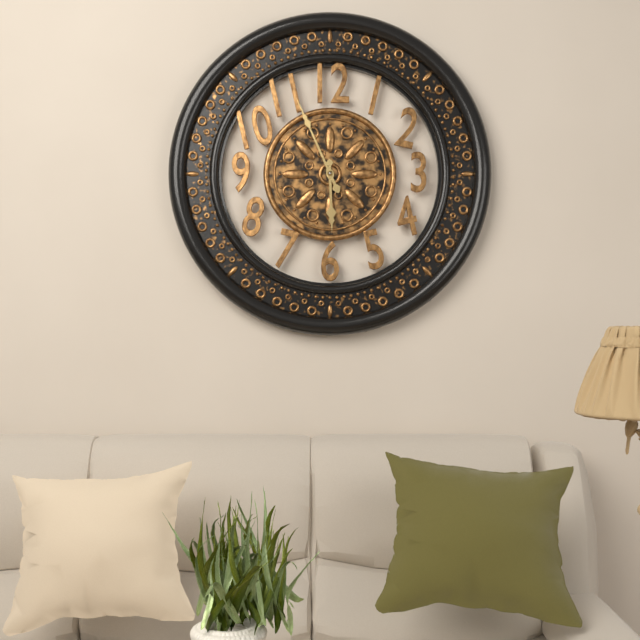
5:56
